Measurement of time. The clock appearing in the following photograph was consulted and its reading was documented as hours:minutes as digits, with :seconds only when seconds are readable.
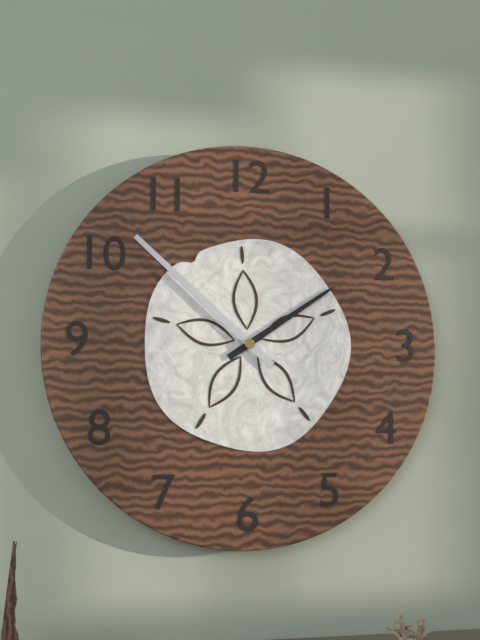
1:52
